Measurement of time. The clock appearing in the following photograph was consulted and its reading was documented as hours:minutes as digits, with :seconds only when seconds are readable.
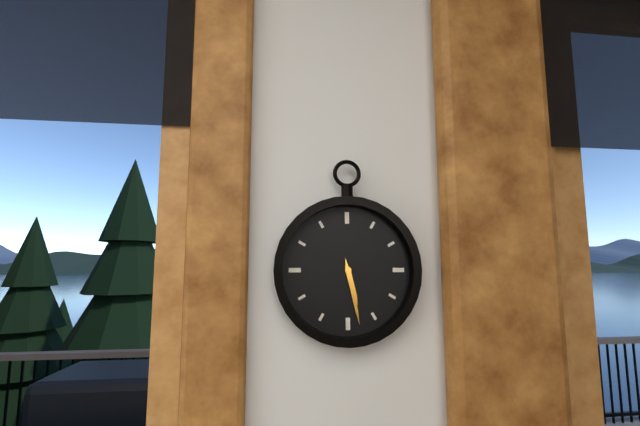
5:28
